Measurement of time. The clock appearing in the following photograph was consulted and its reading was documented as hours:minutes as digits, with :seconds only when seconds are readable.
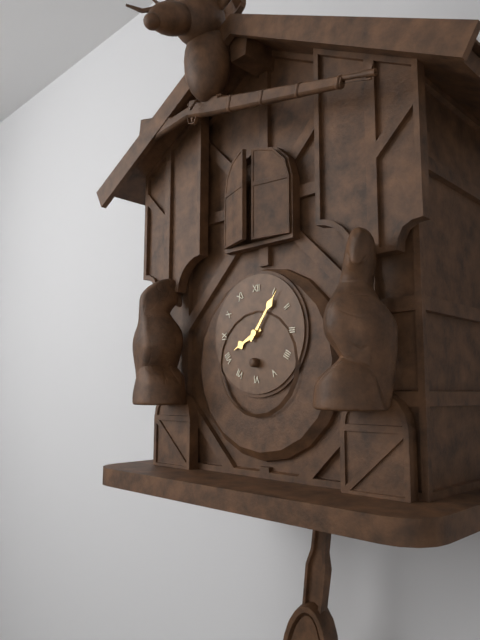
8:06
